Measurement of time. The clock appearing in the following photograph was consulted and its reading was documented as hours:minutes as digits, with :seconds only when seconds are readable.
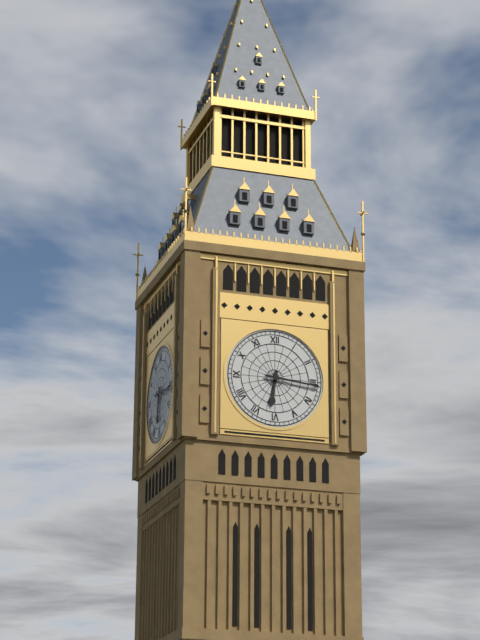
6:16
